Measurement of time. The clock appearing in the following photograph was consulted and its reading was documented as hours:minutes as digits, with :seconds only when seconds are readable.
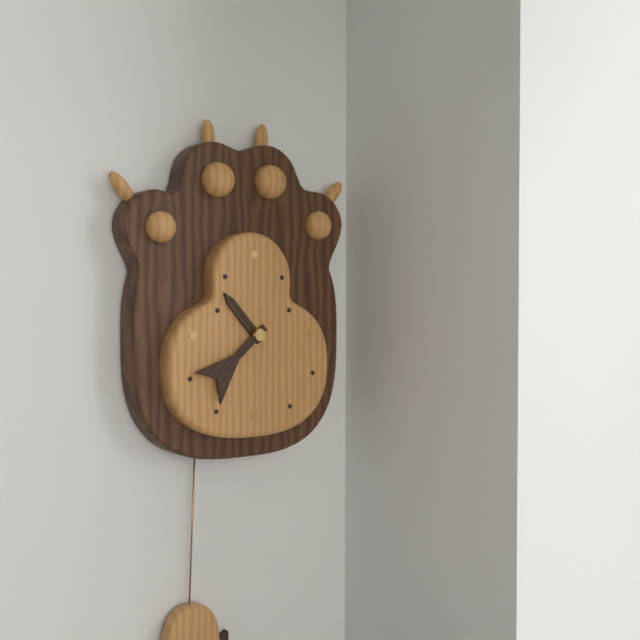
10:38
